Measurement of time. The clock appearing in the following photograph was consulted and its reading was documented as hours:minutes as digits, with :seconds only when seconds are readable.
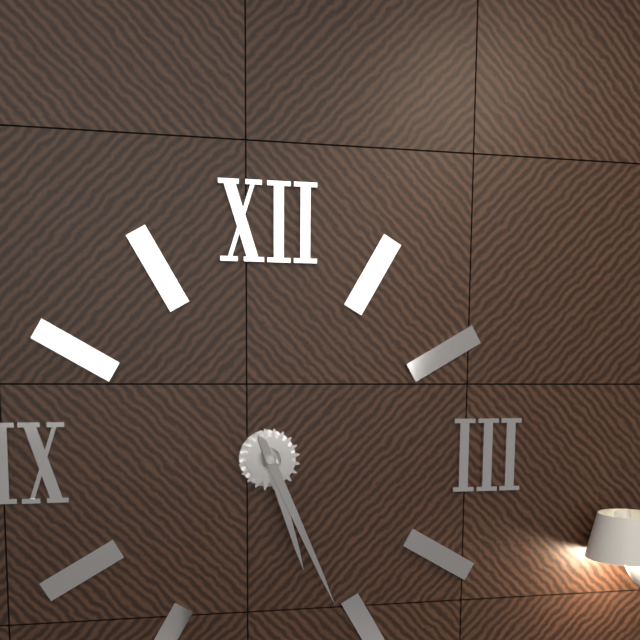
5:26
